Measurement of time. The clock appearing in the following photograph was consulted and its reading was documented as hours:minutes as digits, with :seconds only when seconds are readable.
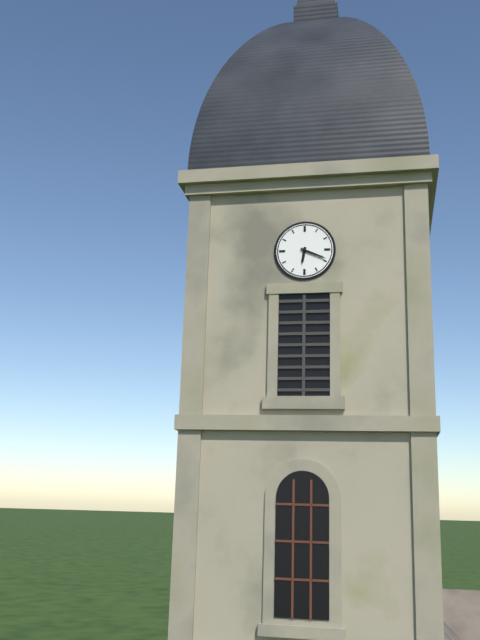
6:19
